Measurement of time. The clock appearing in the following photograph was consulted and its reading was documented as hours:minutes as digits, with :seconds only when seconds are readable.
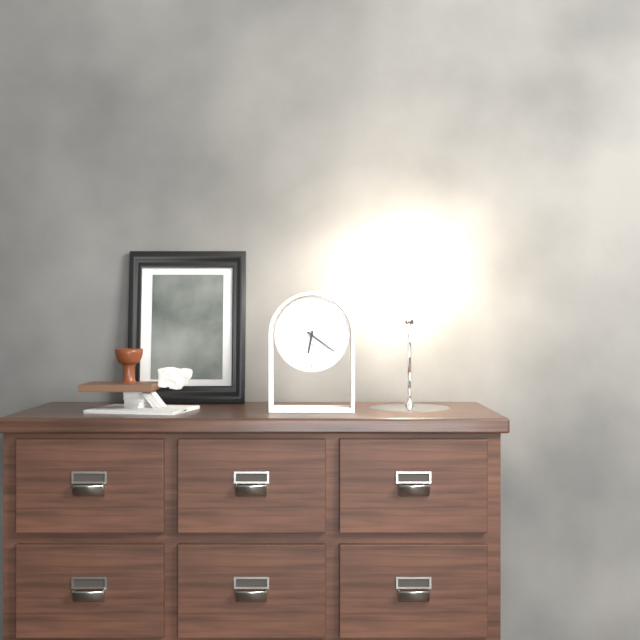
6:21
